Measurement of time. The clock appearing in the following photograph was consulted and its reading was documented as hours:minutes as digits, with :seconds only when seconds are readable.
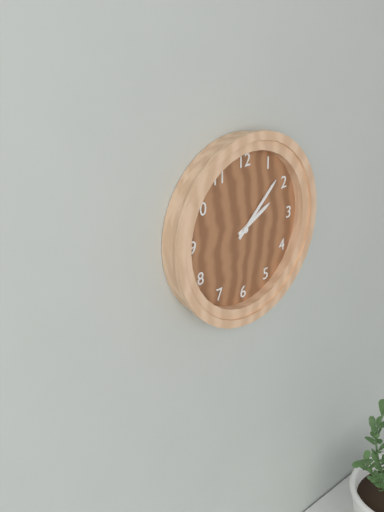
2:08
